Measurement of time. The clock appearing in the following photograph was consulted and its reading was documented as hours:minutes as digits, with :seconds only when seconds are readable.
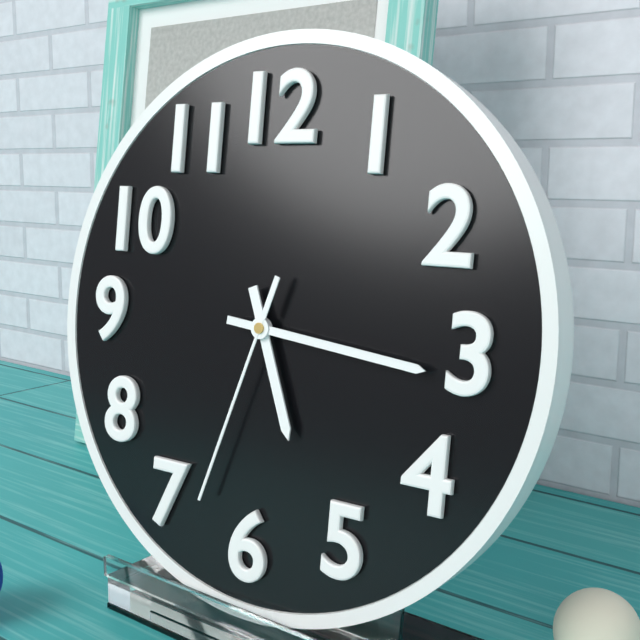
5:16:33
